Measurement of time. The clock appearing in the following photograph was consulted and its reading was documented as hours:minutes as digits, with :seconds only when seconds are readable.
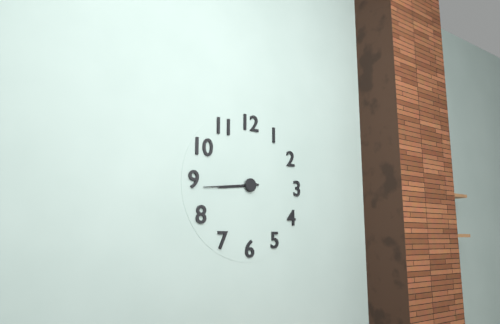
8:44
